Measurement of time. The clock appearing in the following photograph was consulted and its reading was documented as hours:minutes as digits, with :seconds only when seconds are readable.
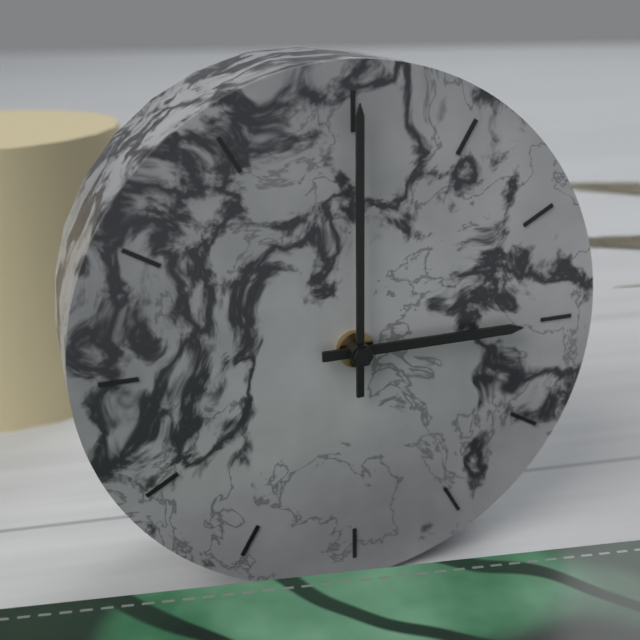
3:00
